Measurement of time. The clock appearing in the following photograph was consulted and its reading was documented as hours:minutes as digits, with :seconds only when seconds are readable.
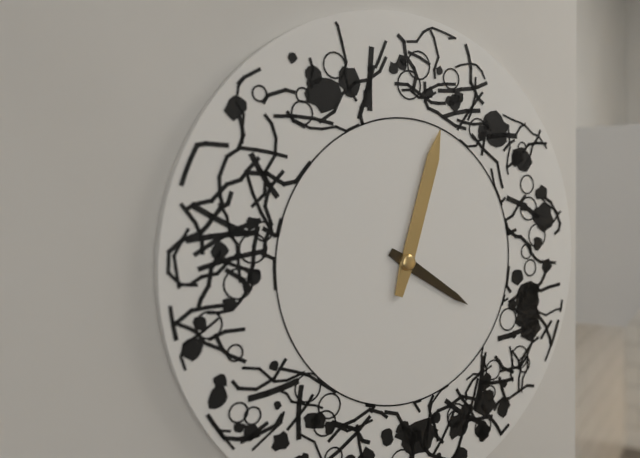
4:03
